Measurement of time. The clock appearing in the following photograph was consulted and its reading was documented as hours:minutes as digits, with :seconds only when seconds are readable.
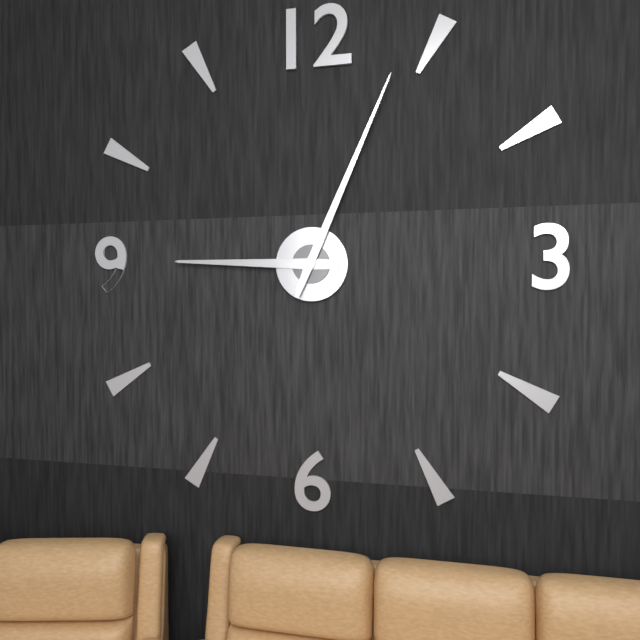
9:04
